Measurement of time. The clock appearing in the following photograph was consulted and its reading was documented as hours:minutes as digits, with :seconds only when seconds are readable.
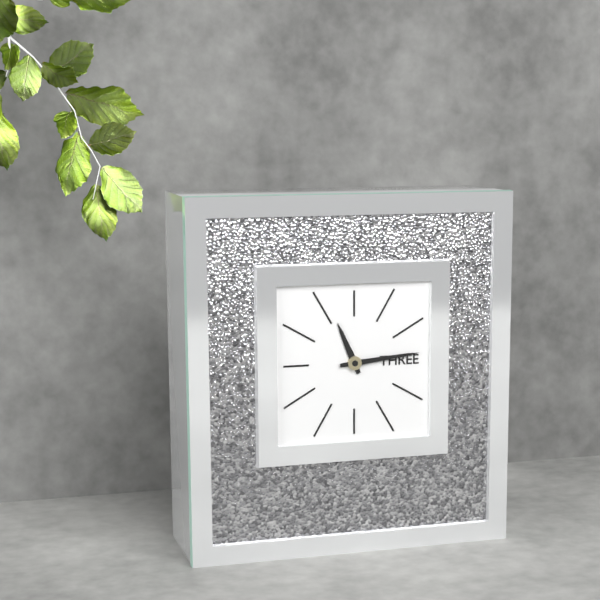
11:14
